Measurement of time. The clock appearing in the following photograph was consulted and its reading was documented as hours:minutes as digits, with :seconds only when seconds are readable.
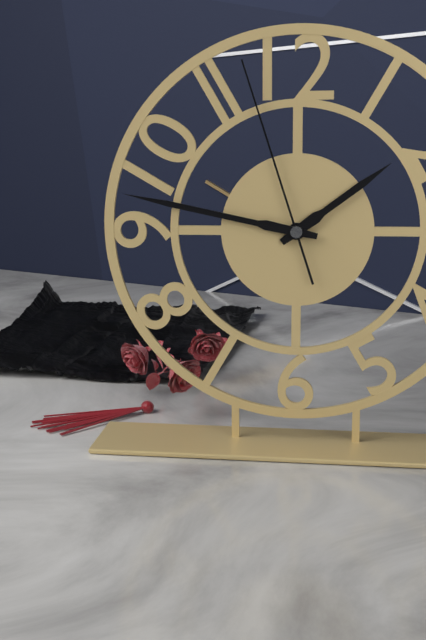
1:47:57
